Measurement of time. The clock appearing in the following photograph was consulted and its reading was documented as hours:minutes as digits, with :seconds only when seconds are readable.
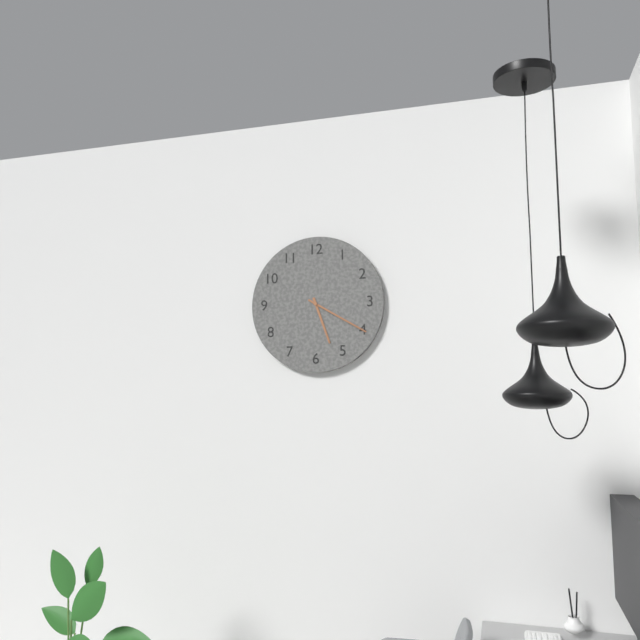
5:20
